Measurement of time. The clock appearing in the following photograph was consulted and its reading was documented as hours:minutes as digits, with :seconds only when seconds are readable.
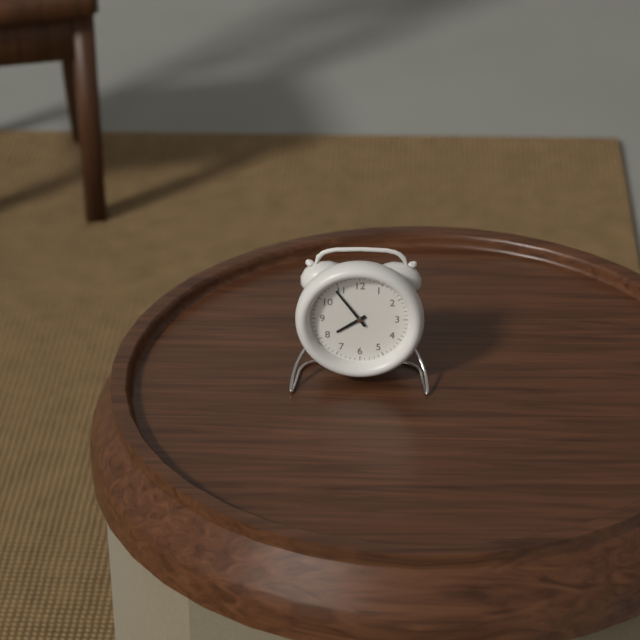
7:54
